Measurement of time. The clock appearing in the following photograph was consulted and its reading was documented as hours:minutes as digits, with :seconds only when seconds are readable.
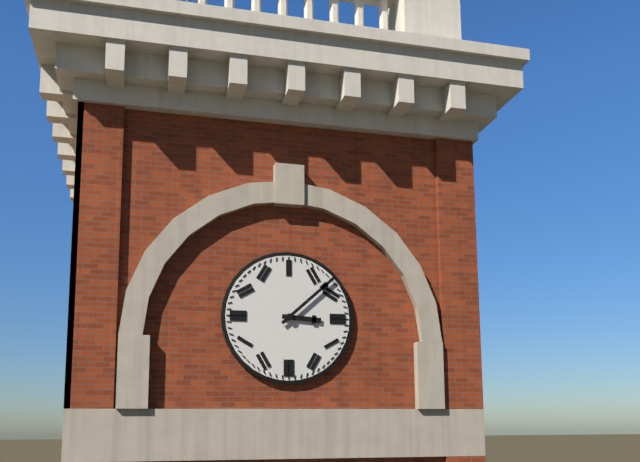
3:08
